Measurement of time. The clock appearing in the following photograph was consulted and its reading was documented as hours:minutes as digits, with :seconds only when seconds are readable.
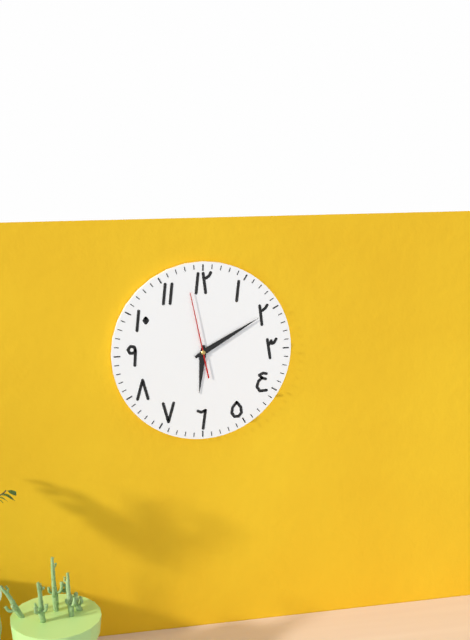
6:10:58
